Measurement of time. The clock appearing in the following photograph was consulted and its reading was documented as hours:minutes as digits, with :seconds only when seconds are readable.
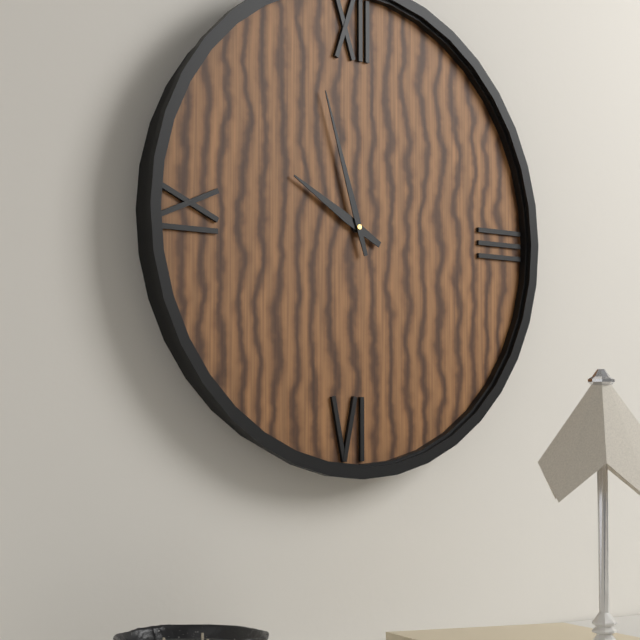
9:57
